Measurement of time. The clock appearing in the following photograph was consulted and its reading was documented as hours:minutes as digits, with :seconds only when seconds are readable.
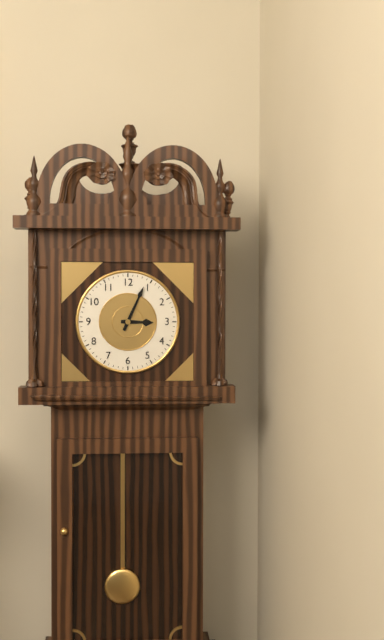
3:04
